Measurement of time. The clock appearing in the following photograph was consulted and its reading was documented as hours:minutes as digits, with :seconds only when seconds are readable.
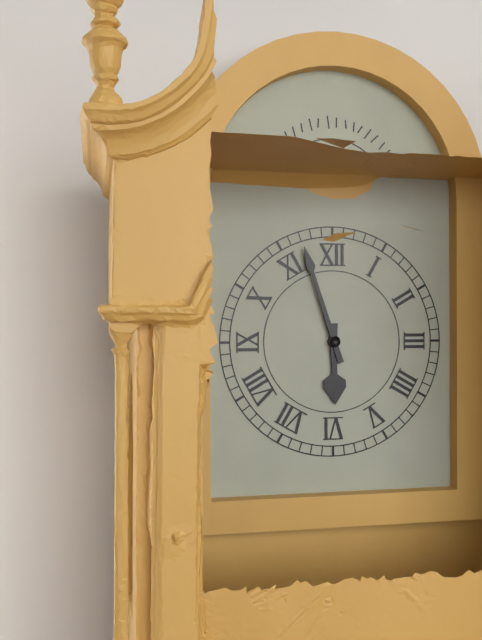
5:57
